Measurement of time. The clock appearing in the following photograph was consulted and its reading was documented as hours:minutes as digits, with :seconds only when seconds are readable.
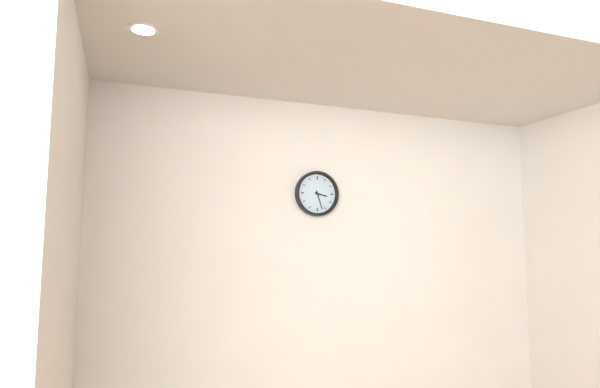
3:27
